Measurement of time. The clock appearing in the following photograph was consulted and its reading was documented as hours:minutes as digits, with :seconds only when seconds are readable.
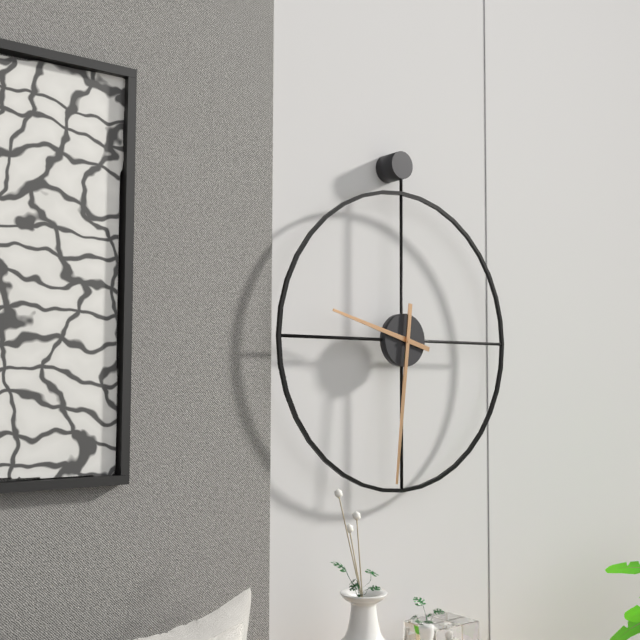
9:31
